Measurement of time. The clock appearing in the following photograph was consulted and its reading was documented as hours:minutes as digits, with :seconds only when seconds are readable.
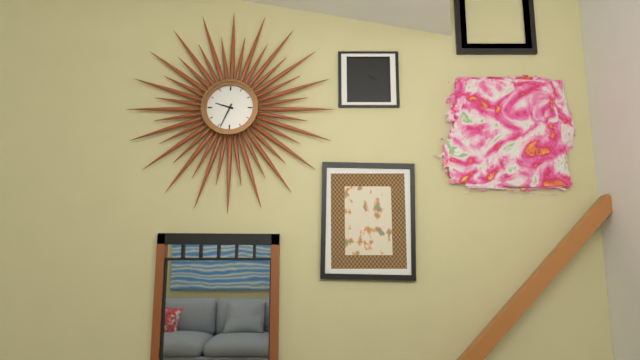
9:34
